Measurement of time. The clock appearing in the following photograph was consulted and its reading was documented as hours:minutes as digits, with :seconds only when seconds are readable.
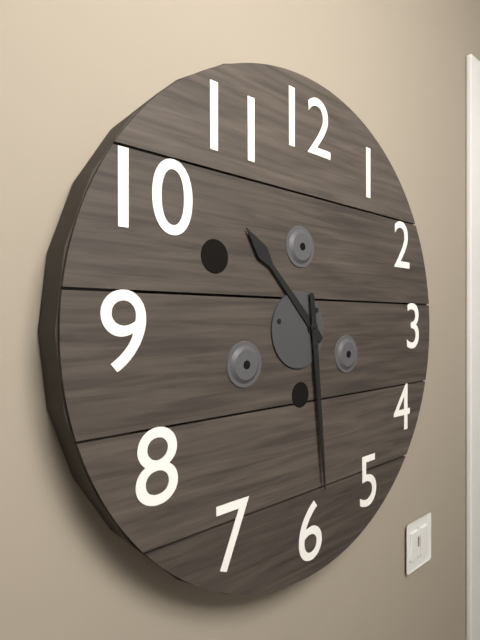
10:29
